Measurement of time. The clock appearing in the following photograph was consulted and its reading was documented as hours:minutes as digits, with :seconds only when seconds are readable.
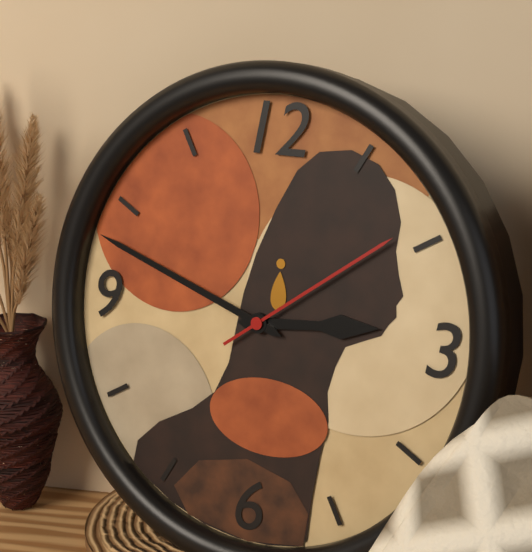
2:48:09
